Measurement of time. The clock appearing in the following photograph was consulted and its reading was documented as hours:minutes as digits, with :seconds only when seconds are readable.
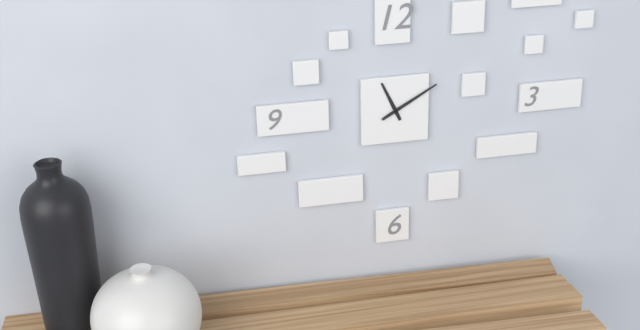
11:10
